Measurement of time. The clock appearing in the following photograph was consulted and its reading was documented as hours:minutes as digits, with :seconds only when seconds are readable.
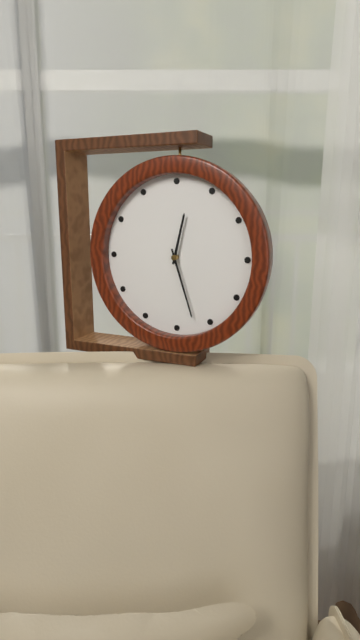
12:27
